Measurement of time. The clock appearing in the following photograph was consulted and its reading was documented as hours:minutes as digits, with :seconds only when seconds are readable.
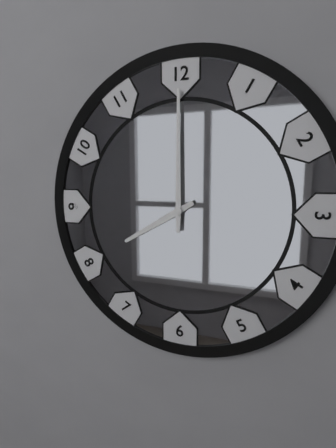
8:00
